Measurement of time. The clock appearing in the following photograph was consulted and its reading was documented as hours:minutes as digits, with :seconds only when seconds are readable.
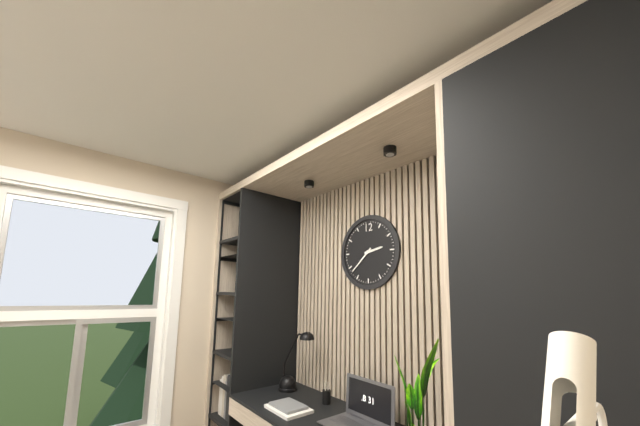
2:38
